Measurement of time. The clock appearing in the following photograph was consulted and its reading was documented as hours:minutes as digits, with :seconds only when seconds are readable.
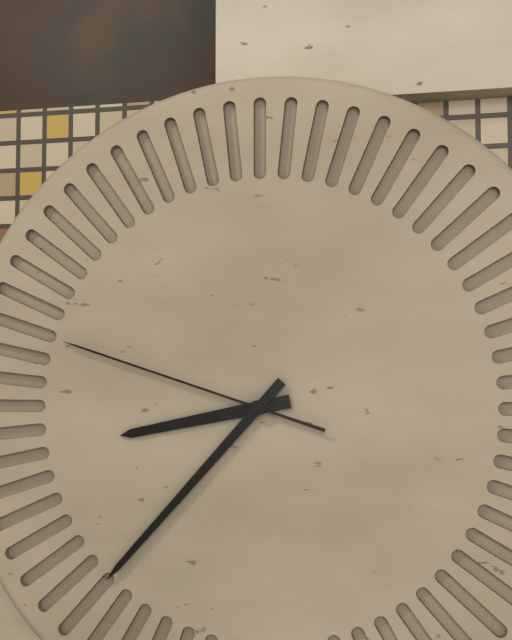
8:37:48
